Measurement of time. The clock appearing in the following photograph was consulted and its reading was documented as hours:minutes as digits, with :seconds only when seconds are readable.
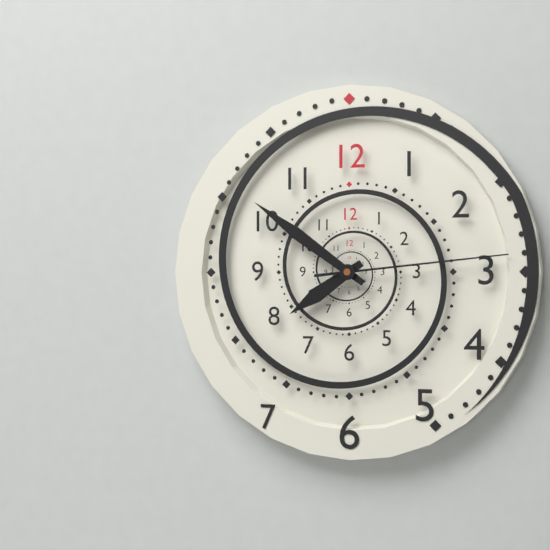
7:51:14
